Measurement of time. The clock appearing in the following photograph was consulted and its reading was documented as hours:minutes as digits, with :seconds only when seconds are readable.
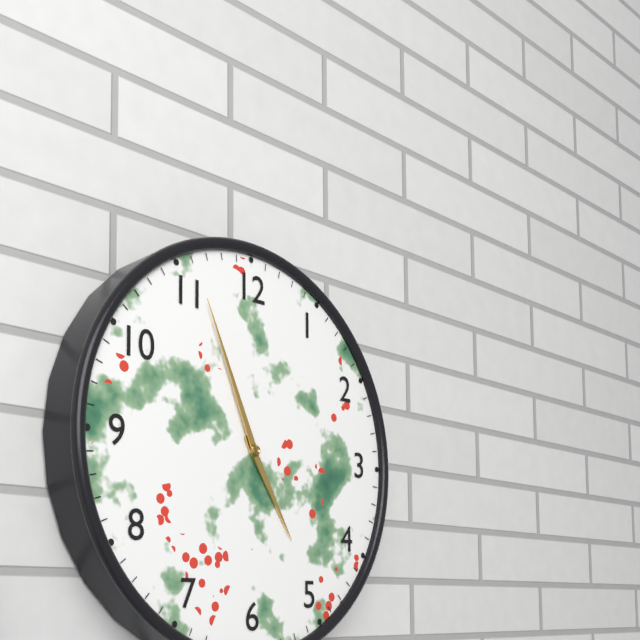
4:56
